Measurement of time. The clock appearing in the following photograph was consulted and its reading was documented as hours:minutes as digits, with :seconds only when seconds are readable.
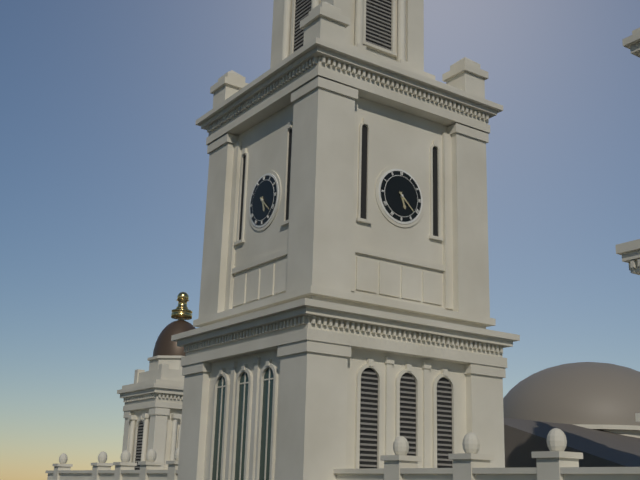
5:22
